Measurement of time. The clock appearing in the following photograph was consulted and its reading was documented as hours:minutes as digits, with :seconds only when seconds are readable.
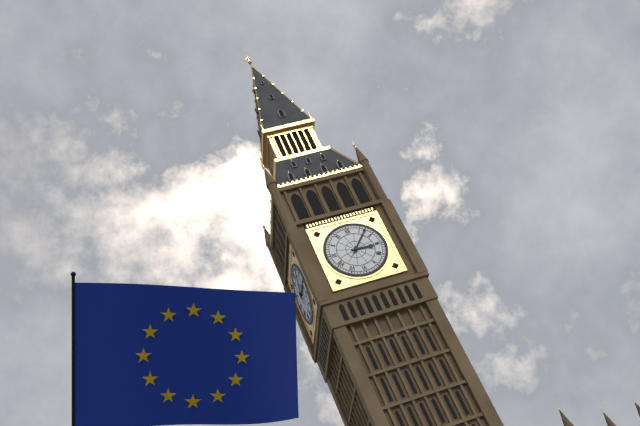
3:07
